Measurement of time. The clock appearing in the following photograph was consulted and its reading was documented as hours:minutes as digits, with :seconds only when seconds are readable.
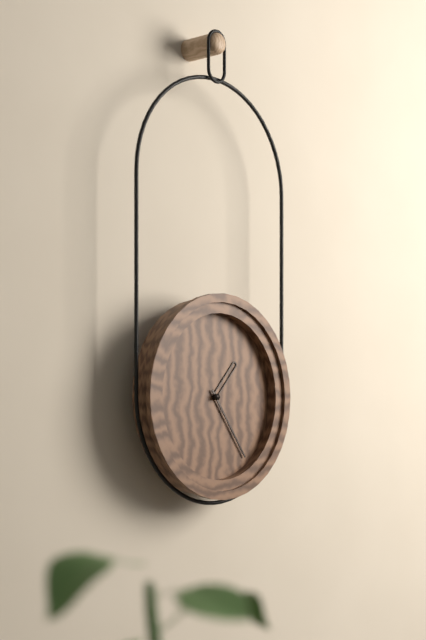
1:24
